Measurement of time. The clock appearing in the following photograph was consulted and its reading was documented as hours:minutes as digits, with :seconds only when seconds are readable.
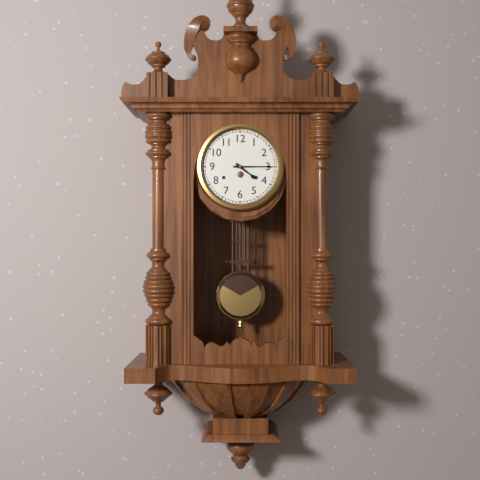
4:15
